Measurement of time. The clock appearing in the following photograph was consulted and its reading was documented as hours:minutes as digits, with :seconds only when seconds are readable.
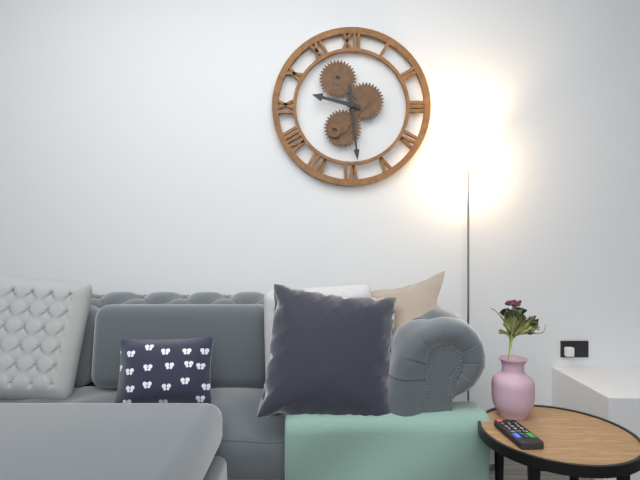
9:29
